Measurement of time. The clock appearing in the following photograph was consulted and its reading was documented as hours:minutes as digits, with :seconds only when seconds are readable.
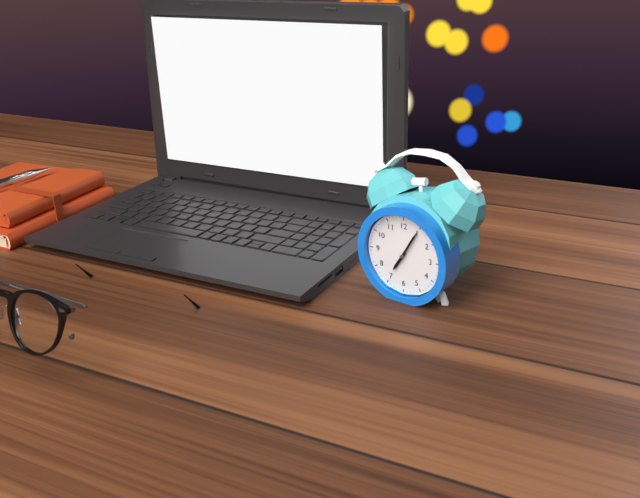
7:05
